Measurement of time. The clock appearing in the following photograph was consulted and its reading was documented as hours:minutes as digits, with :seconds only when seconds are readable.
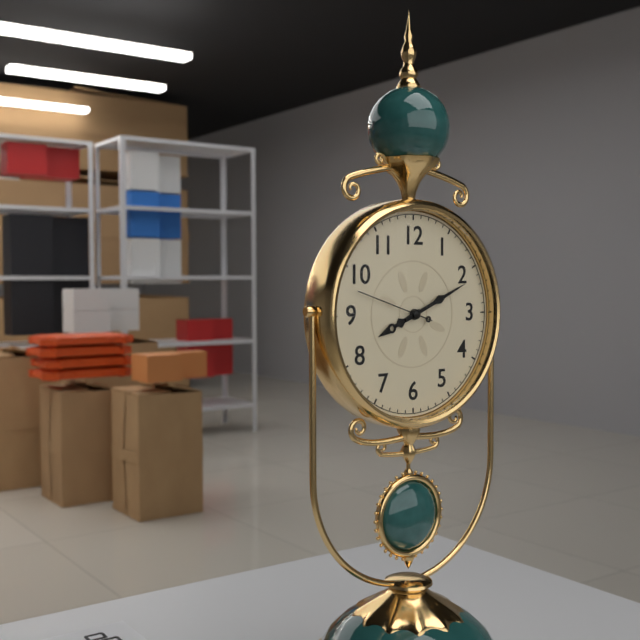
8:11:48
